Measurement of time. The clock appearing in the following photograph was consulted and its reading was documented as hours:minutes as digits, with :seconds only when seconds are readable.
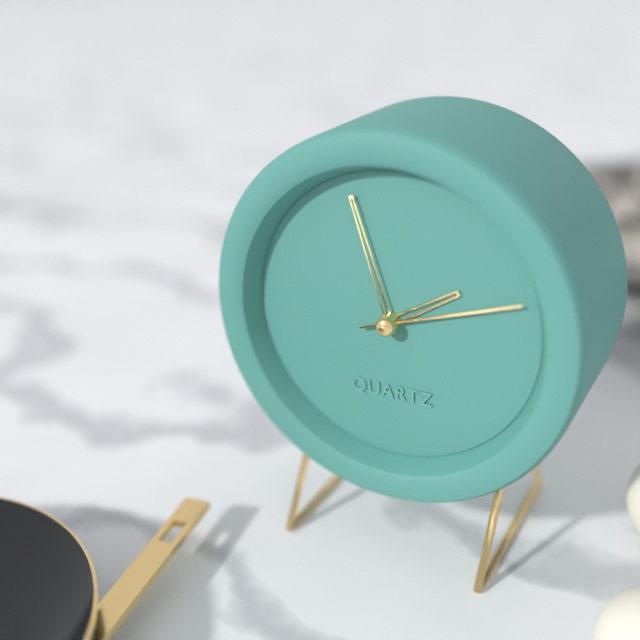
1:57:12
